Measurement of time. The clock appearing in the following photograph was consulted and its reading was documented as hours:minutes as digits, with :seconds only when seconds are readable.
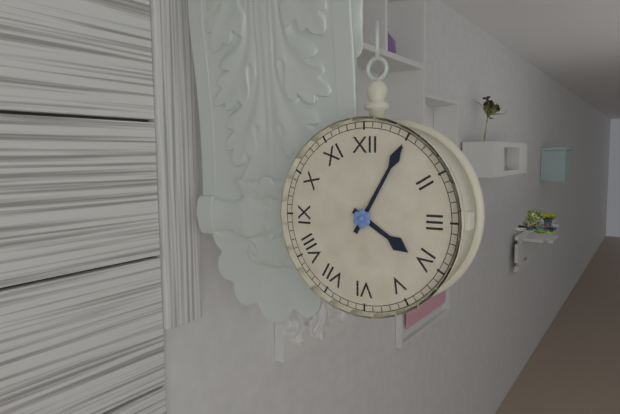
4:05
